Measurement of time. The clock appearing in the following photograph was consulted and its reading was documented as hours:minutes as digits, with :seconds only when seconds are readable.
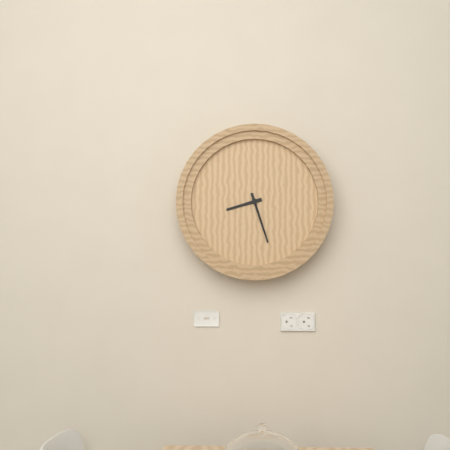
8:27
